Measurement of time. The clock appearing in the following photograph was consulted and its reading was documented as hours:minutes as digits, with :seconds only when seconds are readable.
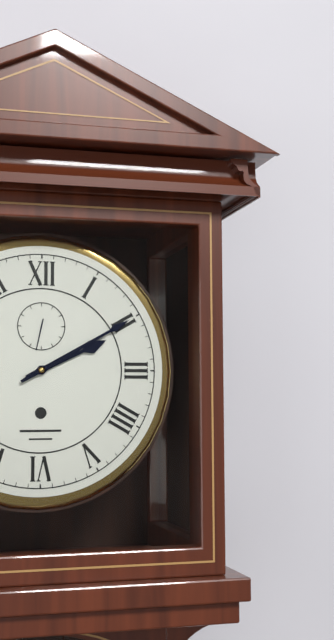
2:10
